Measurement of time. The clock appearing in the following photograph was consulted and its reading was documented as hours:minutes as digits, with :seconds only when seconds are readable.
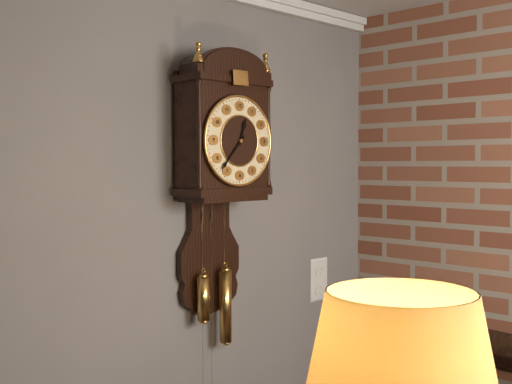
12:37
